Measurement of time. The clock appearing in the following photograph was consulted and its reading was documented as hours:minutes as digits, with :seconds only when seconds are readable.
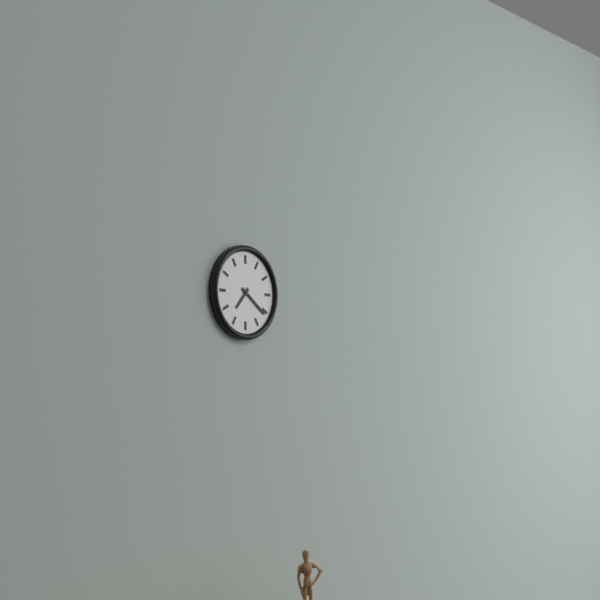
7:21
